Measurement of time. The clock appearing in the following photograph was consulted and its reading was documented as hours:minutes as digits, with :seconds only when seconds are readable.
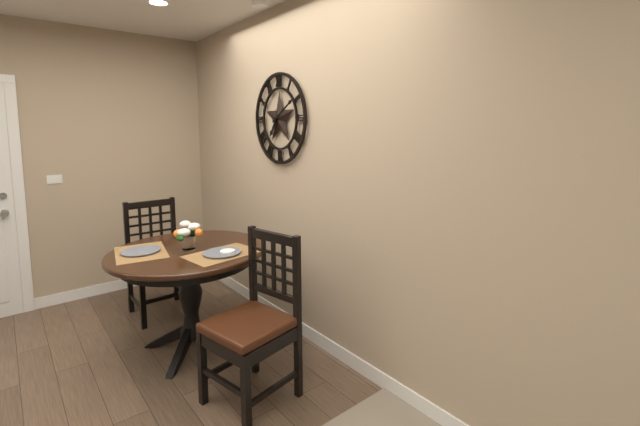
7:10
